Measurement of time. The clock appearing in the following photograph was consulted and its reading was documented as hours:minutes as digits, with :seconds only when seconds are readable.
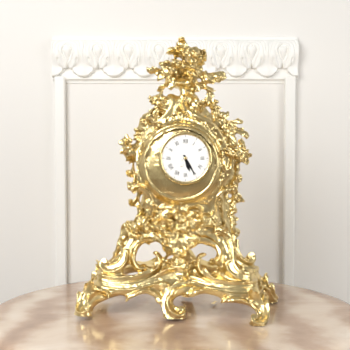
5:25
